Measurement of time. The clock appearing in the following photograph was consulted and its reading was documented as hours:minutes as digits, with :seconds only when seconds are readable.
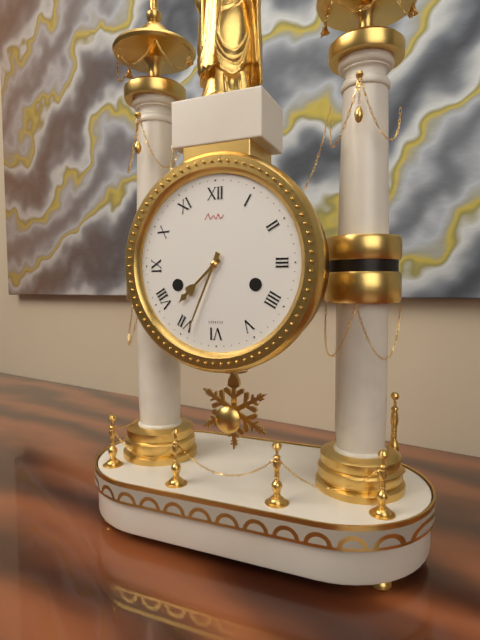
7:34
